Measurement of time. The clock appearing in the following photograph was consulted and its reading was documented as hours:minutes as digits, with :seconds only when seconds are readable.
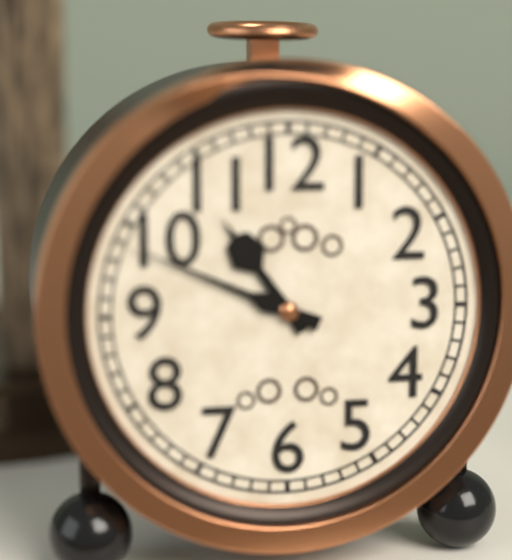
10:49
